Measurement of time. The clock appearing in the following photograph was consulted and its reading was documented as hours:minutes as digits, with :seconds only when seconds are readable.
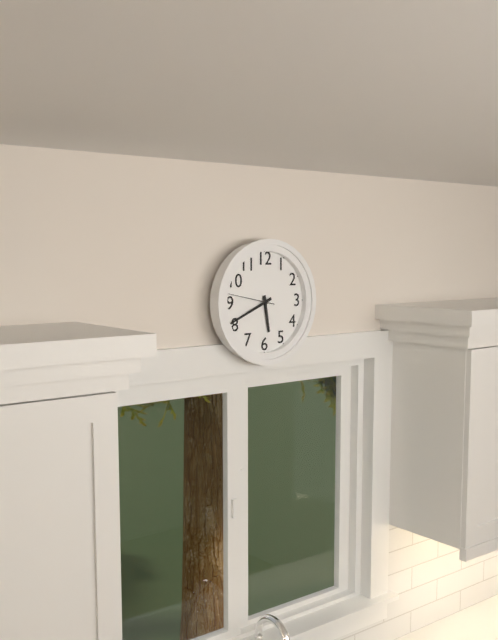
5:41
